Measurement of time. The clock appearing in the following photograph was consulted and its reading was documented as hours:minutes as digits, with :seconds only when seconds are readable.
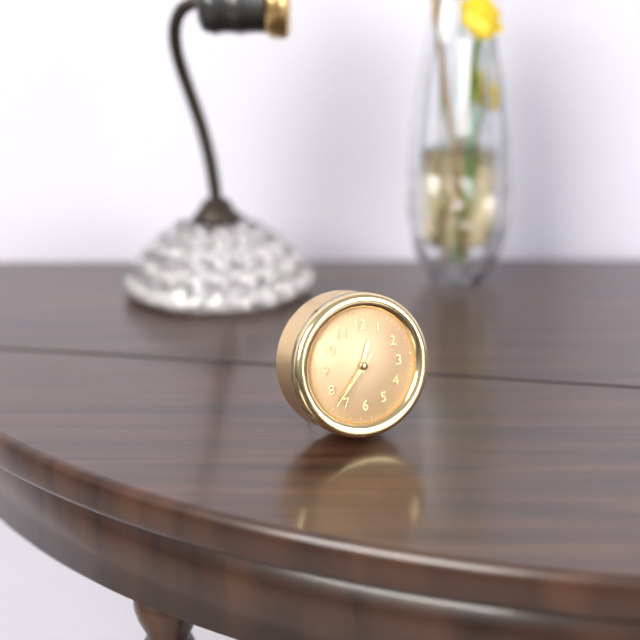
12:37:37
